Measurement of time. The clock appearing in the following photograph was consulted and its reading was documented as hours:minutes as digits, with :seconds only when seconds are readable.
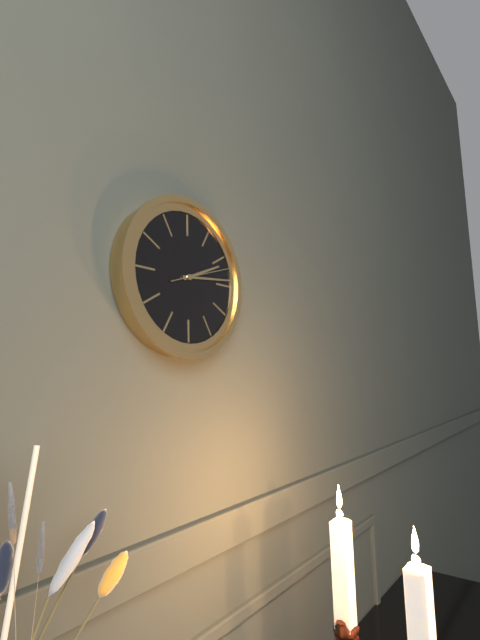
2:14:12
